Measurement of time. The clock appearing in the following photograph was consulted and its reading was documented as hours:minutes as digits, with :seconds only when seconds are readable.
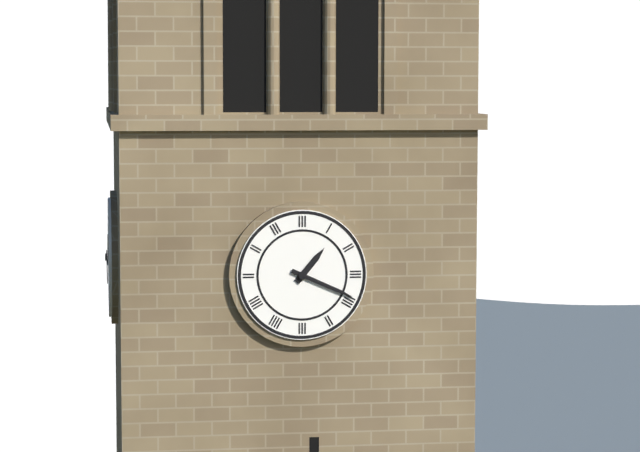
1:19
